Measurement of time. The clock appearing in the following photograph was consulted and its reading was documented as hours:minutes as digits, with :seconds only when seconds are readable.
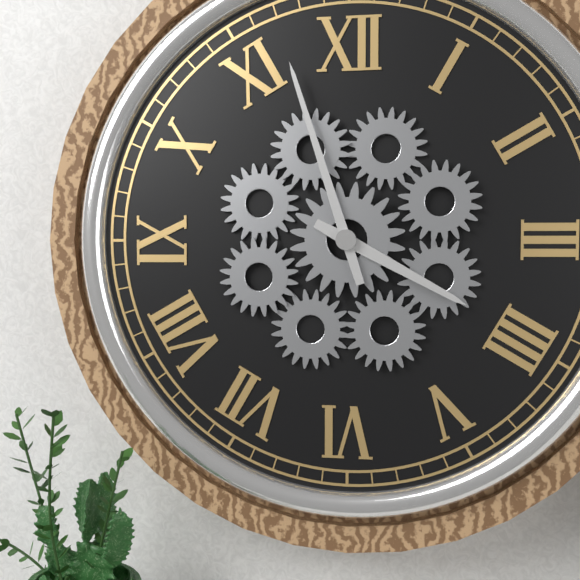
3:57
